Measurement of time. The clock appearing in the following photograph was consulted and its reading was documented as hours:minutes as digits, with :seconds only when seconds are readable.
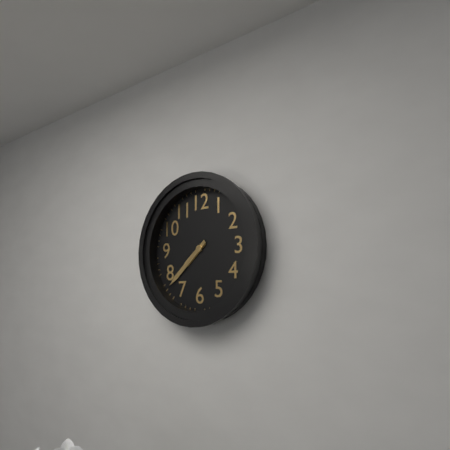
7:38
